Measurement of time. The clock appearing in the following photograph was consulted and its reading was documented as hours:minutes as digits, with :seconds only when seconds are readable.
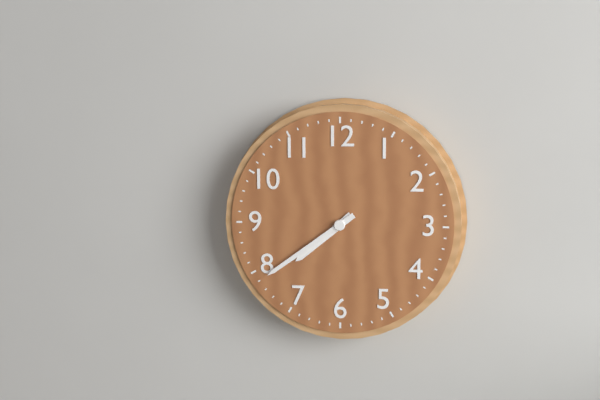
7:39
